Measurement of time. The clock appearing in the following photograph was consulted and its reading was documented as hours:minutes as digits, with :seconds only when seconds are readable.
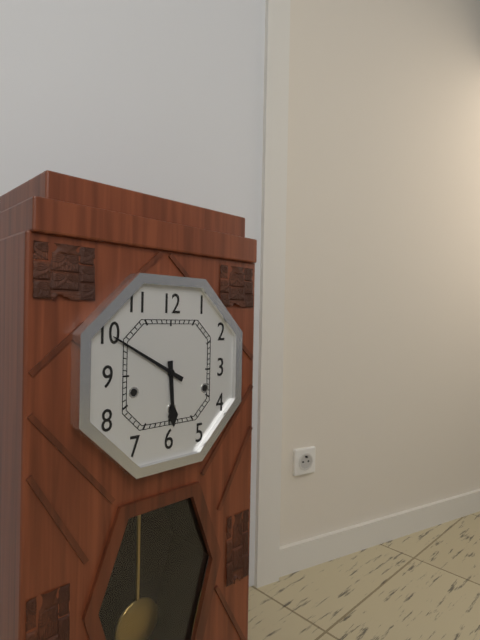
5:50
